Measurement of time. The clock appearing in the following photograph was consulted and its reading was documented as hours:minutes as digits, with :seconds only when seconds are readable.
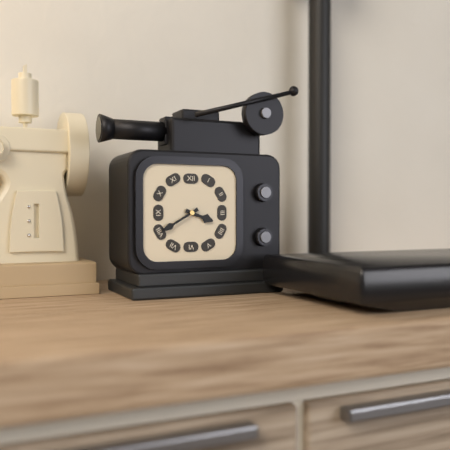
3:40
